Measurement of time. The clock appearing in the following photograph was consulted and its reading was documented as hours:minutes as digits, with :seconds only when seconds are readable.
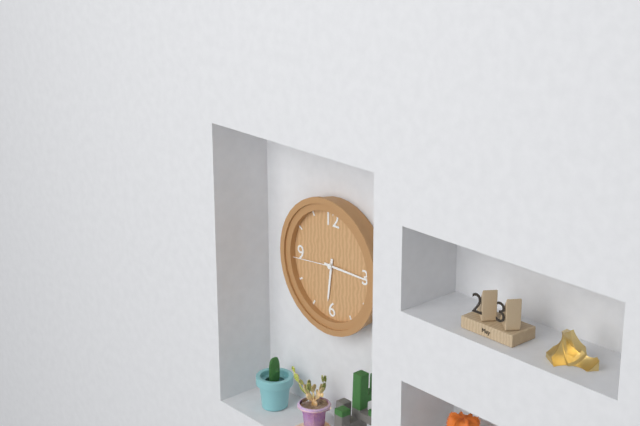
6:15
